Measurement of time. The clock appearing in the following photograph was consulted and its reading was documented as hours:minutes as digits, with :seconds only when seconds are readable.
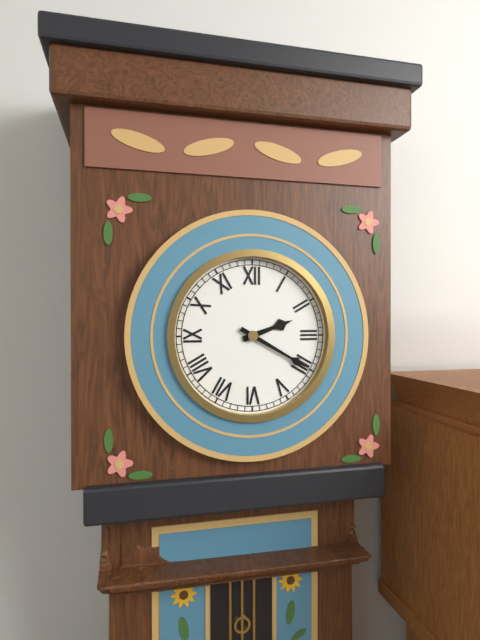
2:20
